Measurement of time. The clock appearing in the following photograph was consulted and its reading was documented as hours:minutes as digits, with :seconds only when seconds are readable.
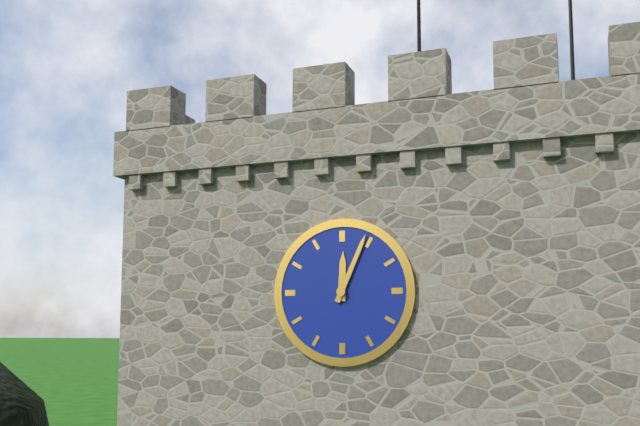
12:04
